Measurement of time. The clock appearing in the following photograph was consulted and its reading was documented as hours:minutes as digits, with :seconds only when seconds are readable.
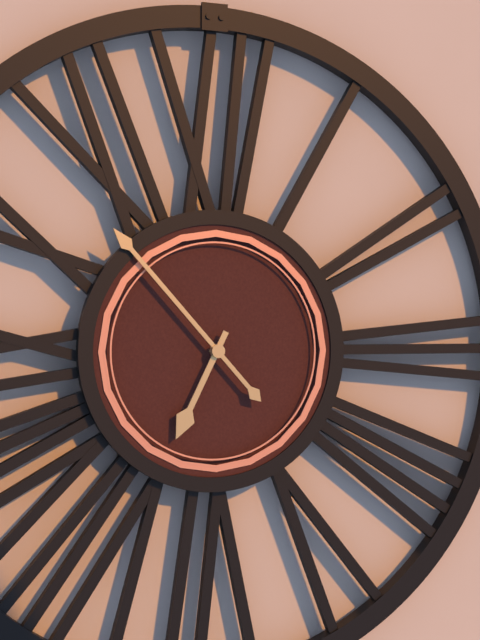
6:53
